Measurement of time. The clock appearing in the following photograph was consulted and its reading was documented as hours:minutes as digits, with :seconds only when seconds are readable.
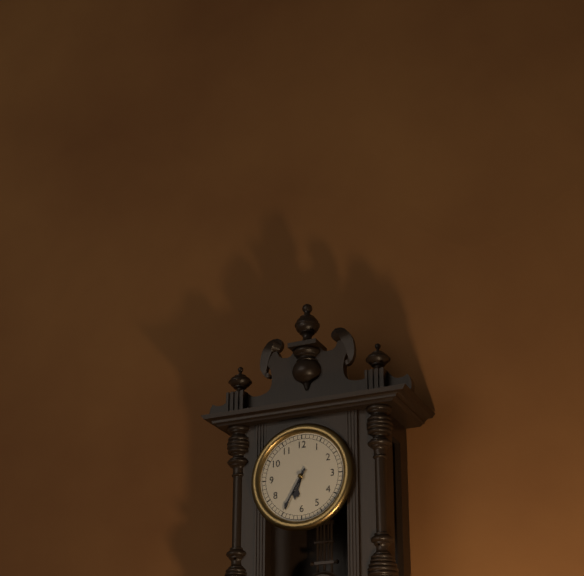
6:35
